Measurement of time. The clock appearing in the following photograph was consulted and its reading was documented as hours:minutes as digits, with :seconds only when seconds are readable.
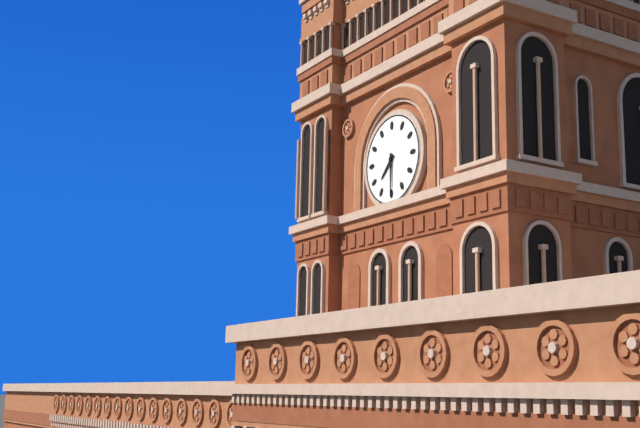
7:30
